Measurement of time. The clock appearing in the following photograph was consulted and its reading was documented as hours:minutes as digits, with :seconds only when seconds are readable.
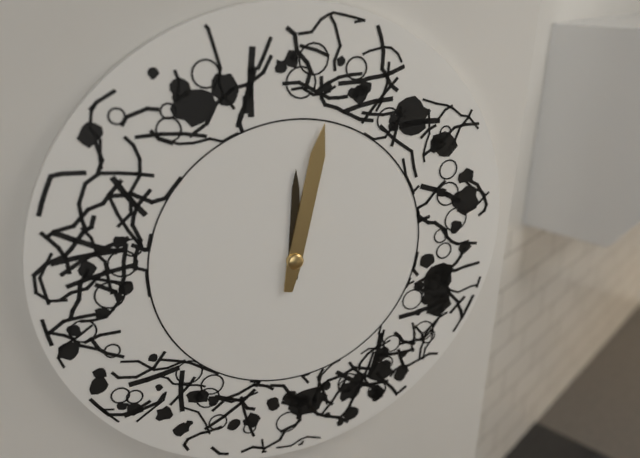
12:02
